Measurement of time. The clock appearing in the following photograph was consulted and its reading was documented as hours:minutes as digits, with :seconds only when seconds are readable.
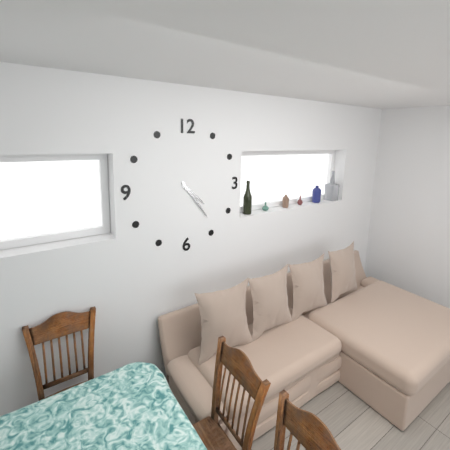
4:24
